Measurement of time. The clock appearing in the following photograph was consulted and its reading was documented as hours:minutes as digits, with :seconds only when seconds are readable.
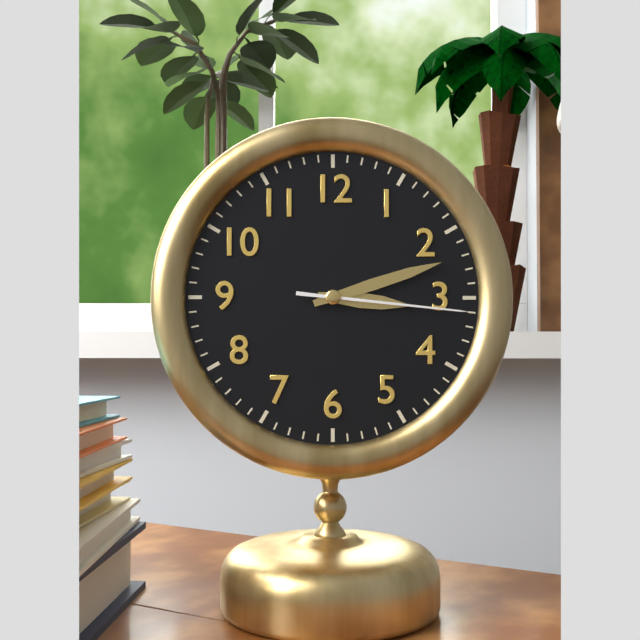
3:12:16
